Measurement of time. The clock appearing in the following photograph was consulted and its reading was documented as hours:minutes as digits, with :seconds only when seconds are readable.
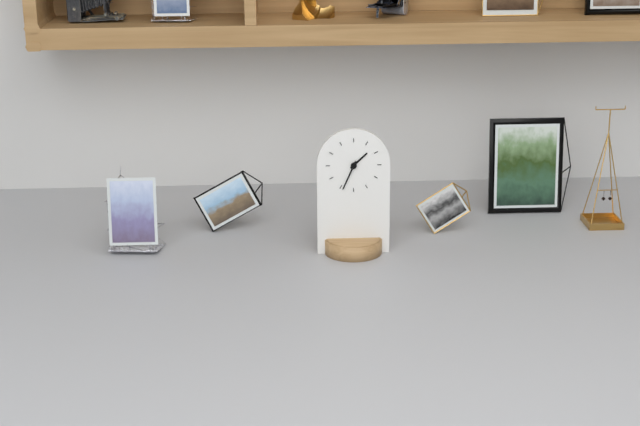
1:34
